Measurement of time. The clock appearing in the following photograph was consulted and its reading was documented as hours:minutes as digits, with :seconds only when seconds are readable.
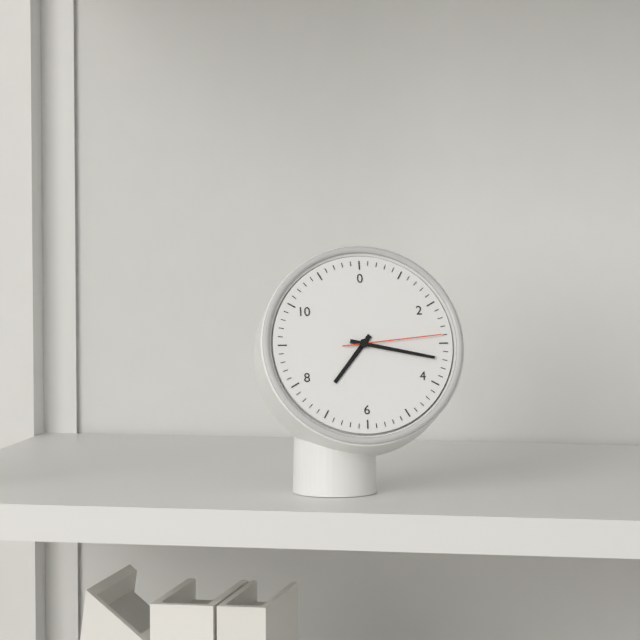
7:17:14
